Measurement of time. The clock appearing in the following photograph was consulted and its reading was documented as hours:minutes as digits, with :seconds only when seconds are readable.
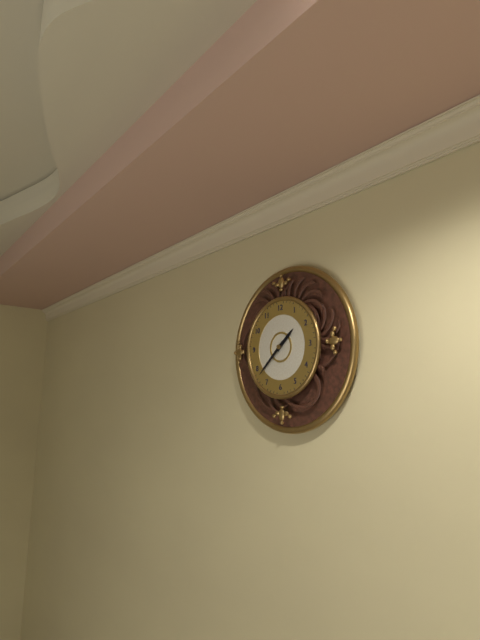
1:38
